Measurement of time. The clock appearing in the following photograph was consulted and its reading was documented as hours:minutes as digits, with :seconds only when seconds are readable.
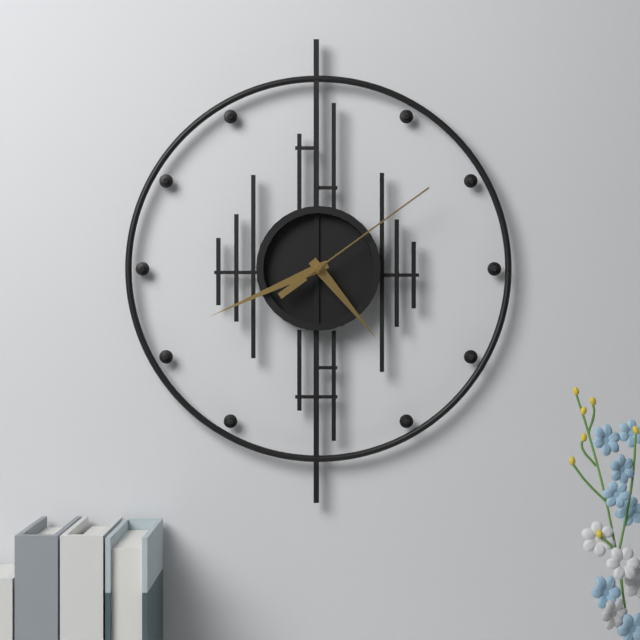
4:41:09
